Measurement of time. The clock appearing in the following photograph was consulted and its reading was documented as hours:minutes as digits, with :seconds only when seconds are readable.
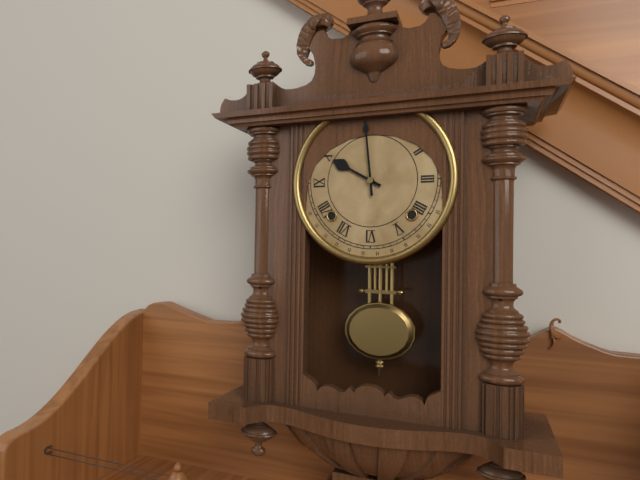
9:59
